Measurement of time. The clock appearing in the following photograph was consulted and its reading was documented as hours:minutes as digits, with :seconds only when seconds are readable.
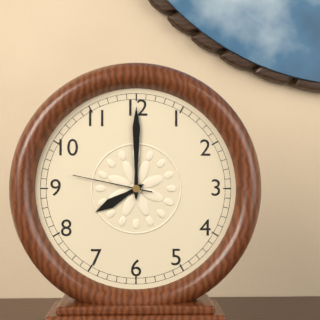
8:00:47
